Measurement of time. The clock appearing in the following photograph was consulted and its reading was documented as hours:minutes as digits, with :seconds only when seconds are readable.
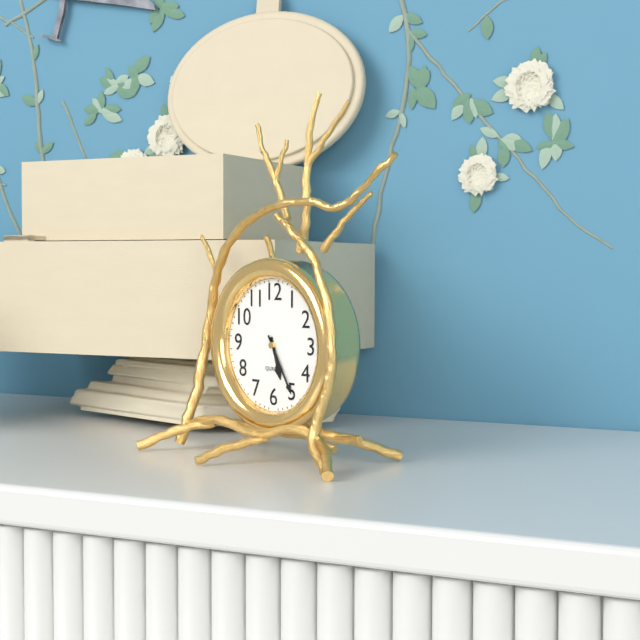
5:25
